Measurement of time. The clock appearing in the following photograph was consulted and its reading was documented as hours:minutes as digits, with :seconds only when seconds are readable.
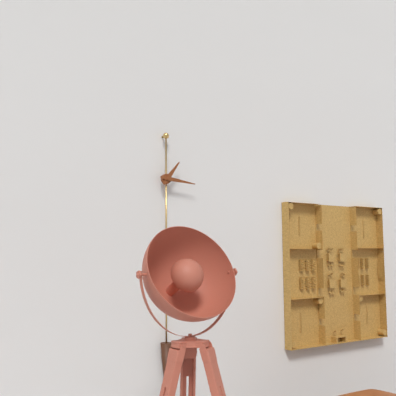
1:16
